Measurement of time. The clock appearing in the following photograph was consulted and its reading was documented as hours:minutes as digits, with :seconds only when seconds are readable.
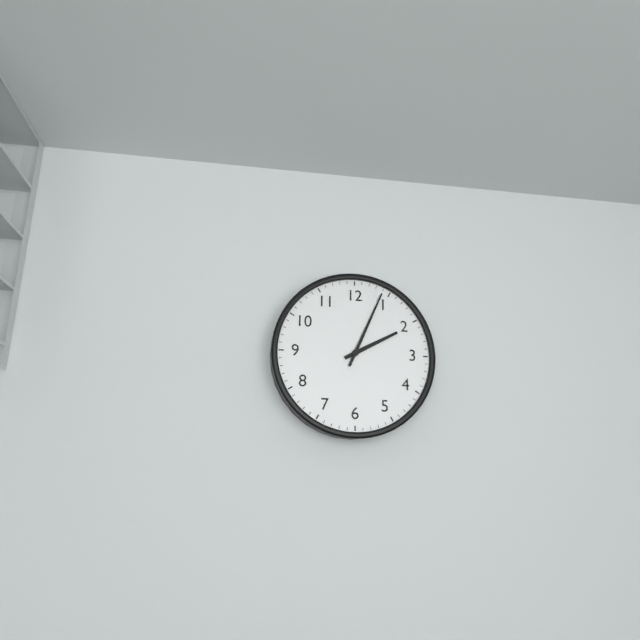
2:04
